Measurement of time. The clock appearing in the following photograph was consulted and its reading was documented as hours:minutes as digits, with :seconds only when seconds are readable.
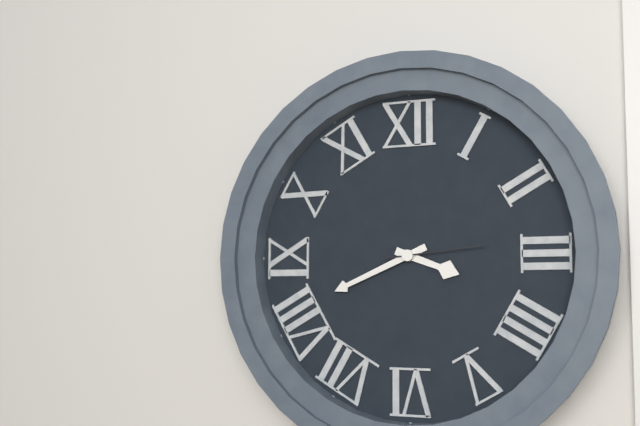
3:41:14
